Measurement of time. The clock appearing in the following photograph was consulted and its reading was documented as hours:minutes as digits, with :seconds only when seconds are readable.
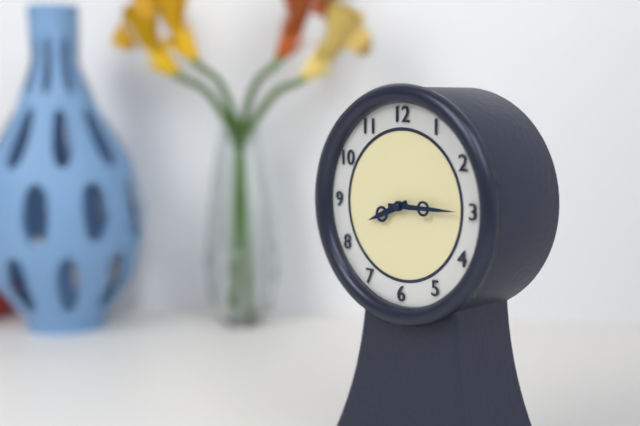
8:15
